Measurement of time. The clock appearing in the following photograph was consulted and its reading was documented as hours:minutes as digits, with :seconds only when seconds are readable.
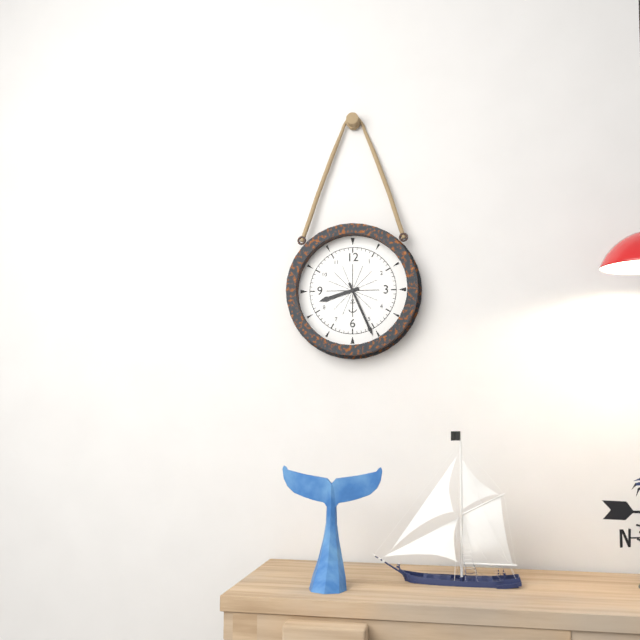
8:26
